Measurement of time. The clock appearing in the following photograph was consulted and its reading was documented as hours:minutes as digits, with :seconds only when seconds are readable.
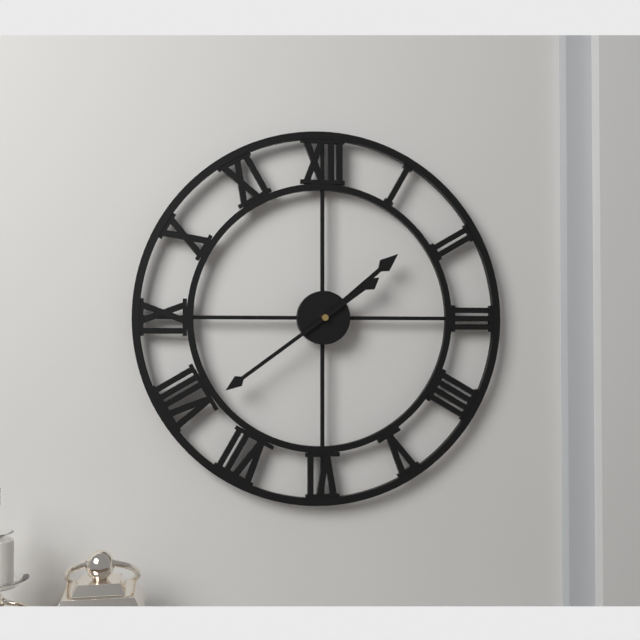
1:39
